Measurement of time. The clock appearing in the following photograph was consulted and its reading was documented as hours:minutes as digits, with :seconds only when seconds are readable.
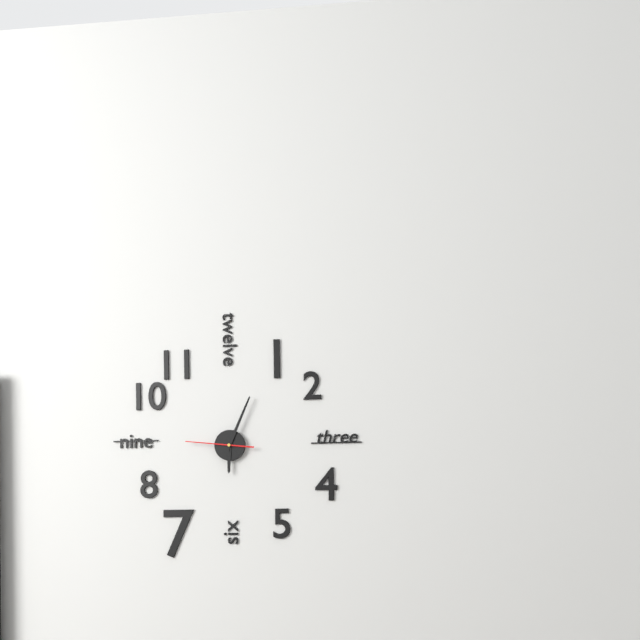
6:04:46
